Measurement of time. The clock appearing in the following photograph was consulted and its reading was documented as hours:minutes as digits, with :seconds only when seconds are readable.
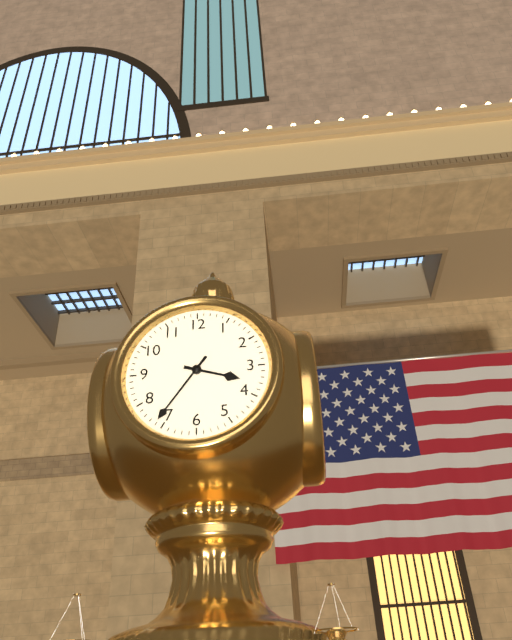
3:36
